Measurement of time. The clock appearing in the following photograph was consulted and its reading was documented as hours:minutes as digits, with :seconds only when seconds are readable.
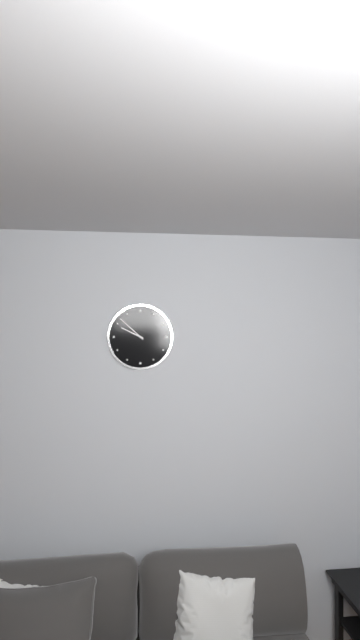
9:52
